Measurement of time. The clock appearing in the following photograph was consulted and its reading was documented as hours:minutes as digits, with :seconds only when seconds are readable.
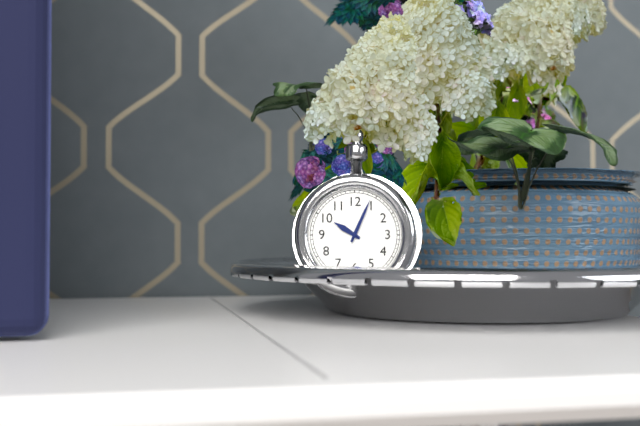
10:04
